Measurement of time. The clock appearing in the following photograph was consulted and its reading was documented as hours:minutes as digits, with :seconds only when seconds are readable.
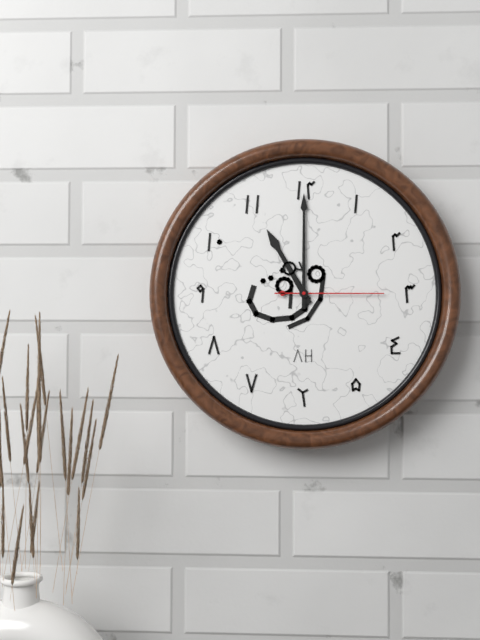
11:00:15
